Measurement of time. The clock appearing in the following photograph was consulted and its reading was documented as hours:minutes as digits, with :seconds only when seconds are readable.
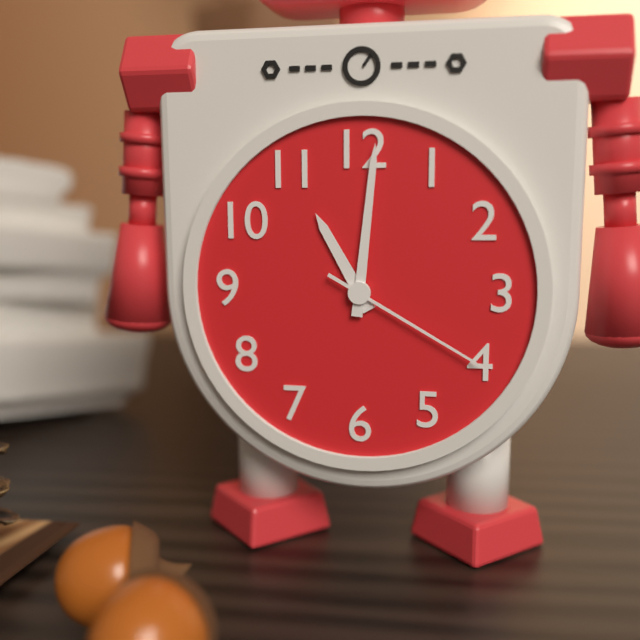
11:01:20
